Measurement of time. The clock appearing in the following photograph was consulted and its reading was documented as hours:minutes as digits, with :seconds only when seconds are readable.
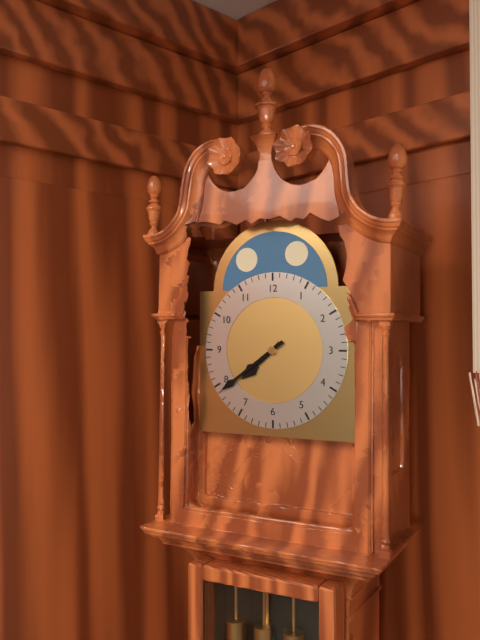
7:39
